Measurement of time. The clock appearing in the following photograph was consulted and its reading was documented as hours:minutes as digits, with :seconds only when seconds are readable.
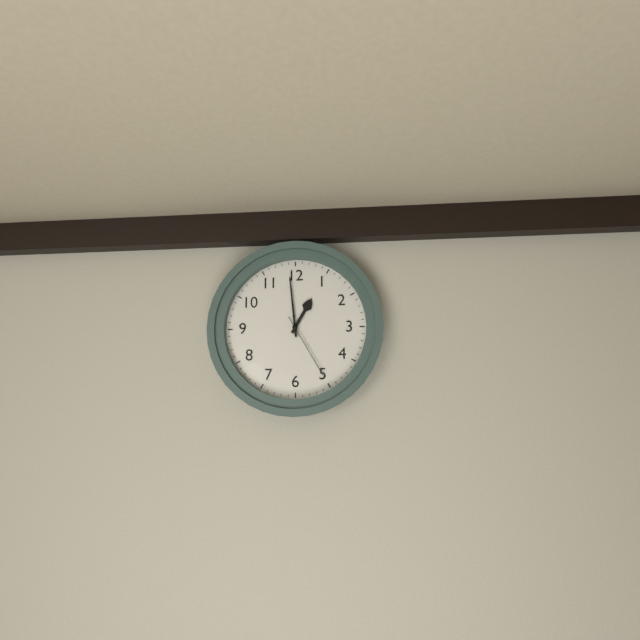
12:59:25
